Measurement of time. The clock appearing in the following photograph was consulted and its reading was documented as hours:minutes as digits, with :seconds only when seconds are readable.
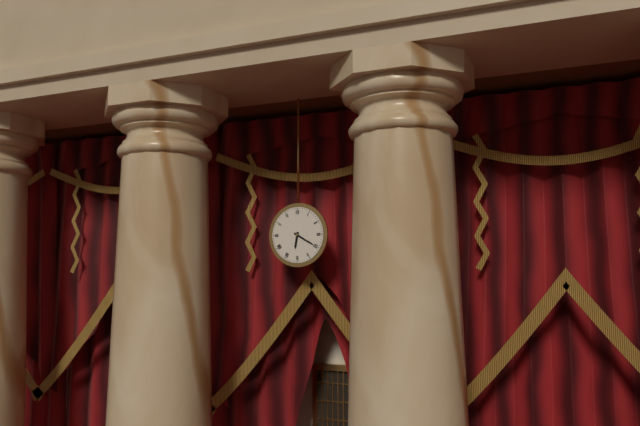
6:20
